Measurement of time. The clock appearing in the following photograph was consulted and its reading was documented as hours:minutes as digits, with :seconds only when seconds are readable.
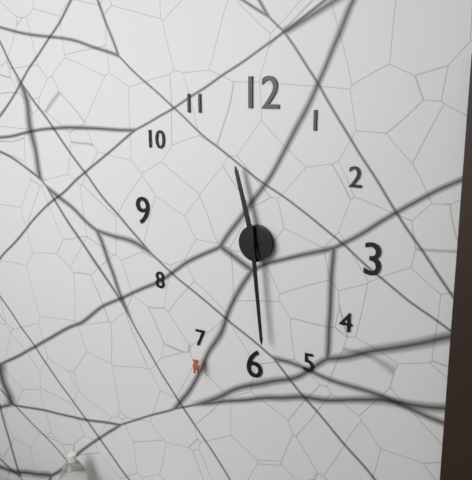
11:29
